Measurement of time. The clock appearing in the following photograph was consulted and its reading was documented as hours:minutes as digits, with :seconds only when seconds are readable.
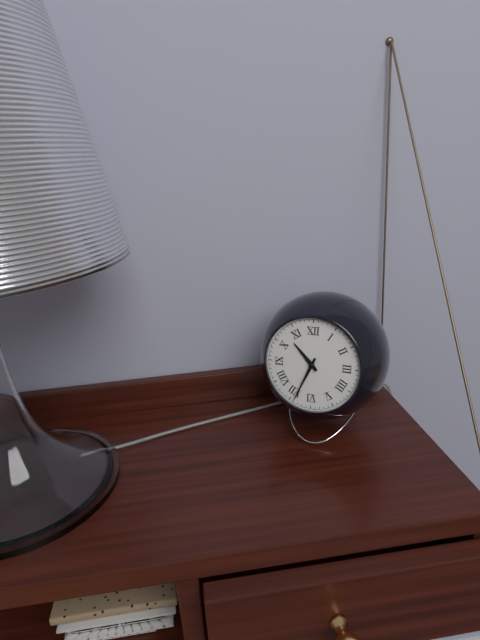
10:34
